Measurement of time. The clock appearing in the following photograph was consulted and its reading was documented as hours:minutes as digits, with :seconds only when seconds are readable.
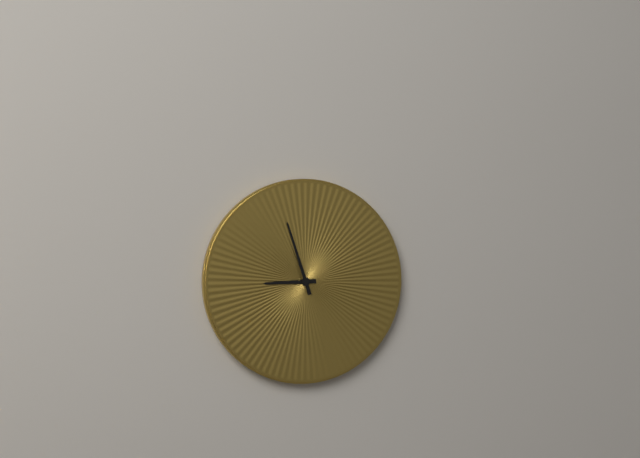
8:57
